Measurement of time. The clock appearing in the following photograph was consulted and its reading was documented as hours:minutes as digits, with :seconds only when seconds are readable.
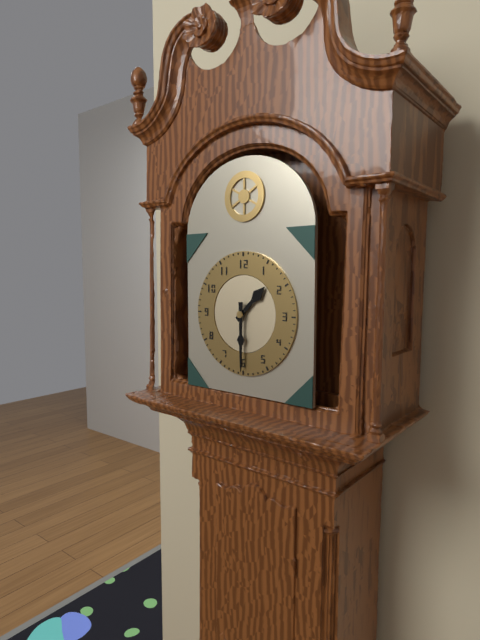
1:30
